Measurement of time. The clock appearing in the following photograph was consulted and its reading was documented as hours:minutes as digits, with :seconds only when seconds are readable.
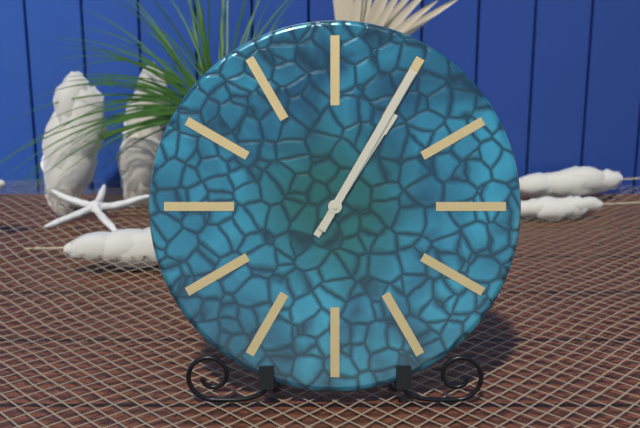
1:05
